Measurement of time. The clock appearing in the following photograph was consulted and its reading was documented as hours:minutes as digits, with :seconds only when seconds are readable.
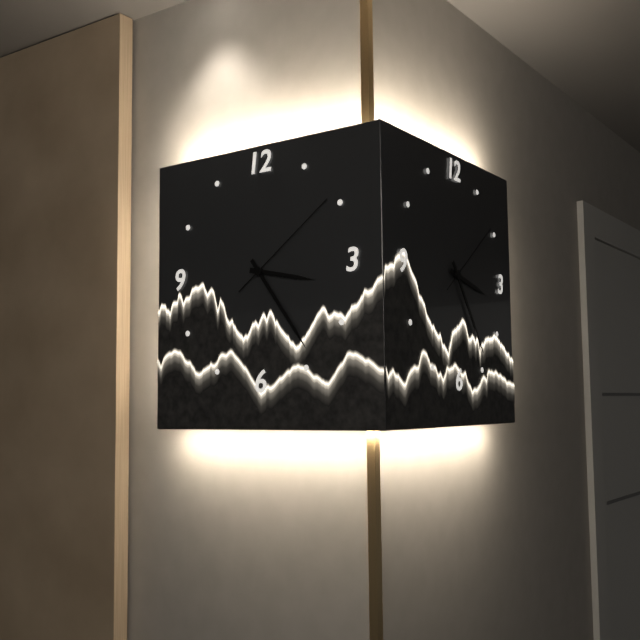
3:24:09
